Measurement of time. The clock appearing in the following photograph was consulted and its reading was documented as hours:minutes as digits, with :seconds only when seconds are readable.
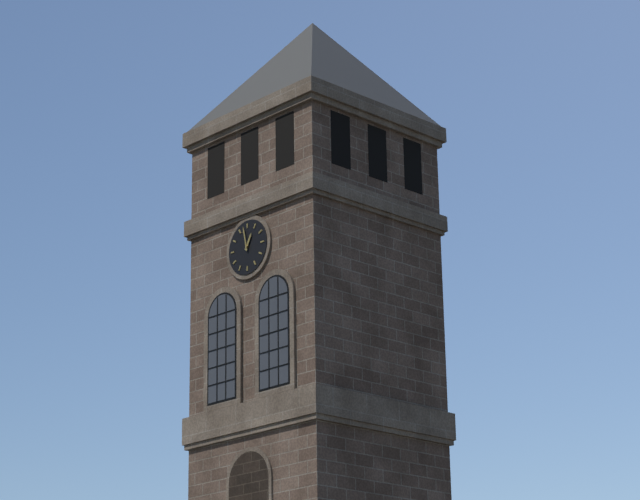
12:58
